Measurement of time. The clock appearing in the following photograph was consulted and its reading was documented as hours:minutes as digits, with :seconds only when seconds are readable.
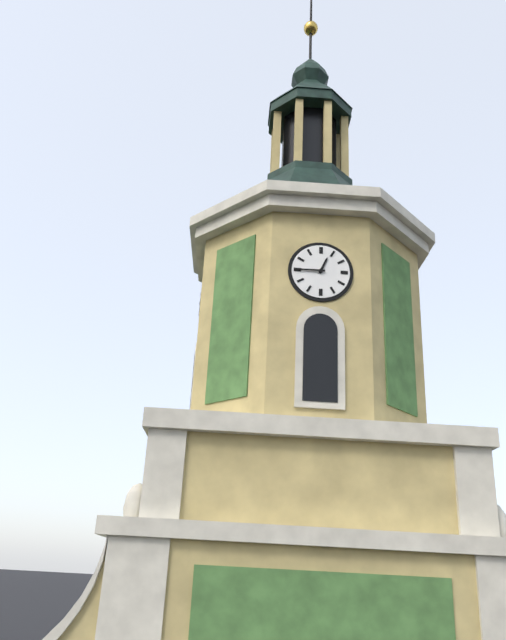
12:45
